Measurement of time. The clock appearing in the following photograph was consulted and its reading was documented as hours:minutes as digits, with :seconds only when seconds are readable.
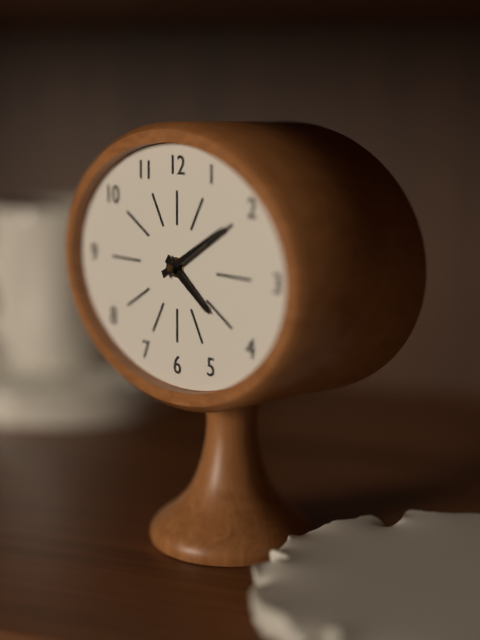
4:10
